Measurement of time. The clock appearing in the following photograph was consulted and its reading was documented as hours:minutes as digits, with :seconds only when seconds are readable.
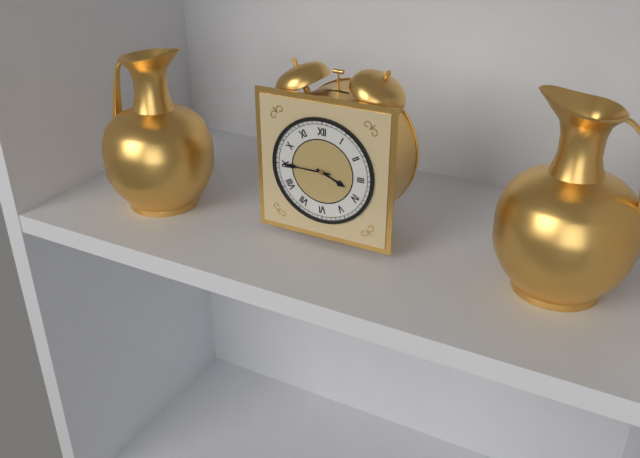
3:45
